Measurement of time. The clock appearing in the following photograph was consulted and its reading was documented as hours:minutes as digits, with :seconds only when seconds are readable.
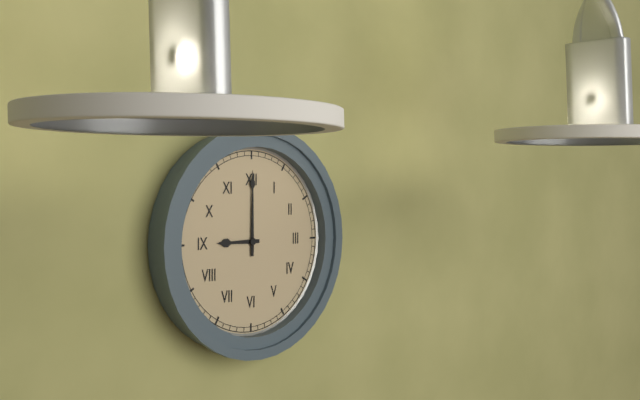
9:00
